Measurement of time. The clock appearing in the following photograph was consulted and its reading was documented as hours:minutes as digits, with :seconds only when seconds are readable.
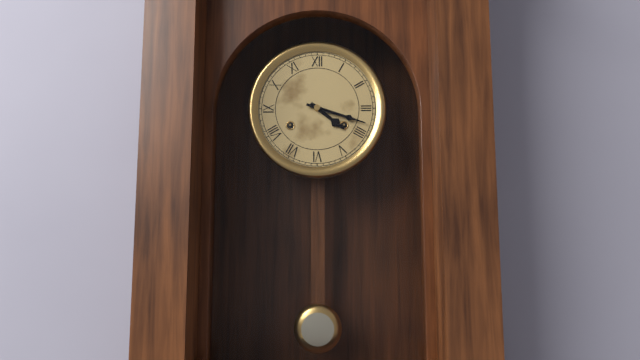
4:18
